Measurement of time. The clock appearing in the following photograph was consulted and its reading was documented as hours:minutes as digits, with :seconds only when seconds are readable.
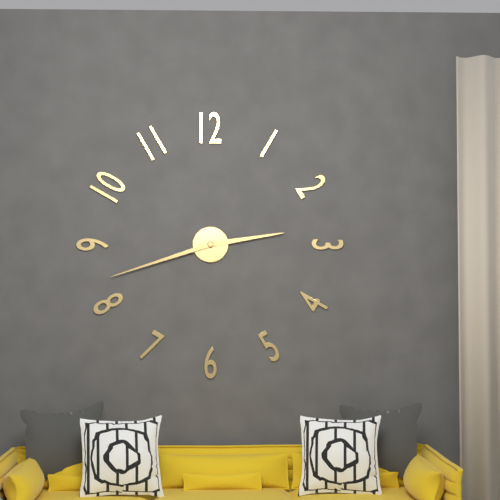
2:42
